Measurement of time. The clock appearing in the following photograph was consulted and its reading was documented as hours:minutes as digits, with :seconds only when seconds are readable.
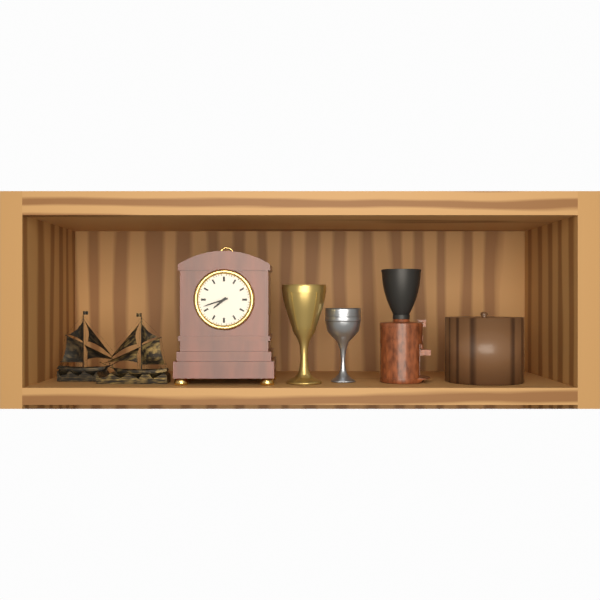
7:42
